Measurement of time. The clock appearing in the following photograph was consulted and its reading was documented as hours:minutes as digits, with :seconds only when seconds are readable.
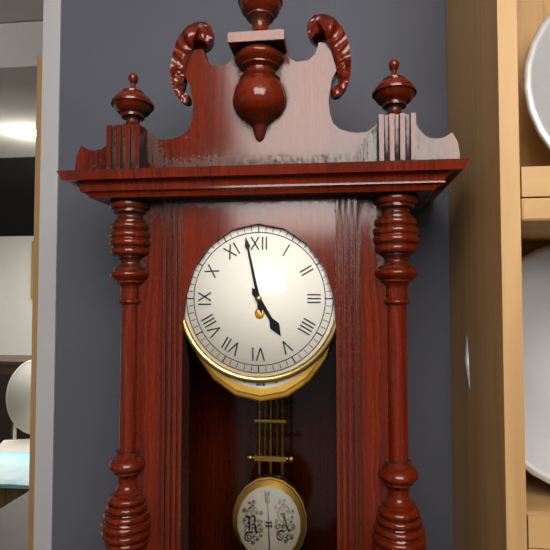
4:58
